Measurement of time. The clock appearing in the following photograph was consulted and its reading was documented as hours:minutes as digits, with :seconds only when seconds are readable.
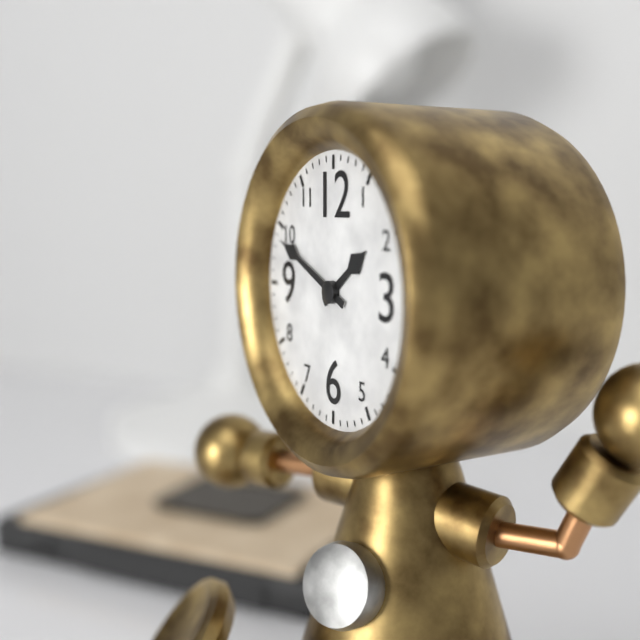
1:49
